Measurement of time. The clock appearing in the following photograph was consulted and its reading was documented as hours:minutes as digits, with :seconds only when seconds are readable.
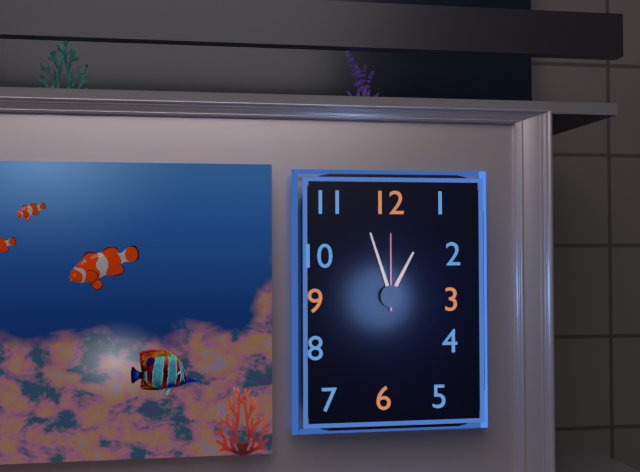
12:57:00
